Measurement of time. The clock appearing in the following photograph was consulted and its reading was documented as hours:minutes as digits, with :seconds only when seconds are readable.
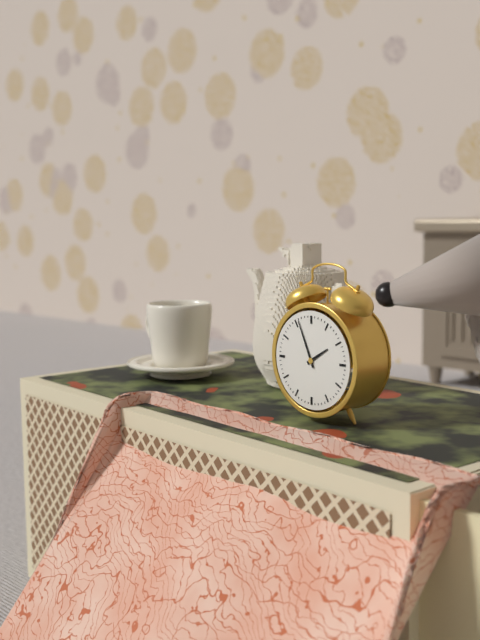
1:56
